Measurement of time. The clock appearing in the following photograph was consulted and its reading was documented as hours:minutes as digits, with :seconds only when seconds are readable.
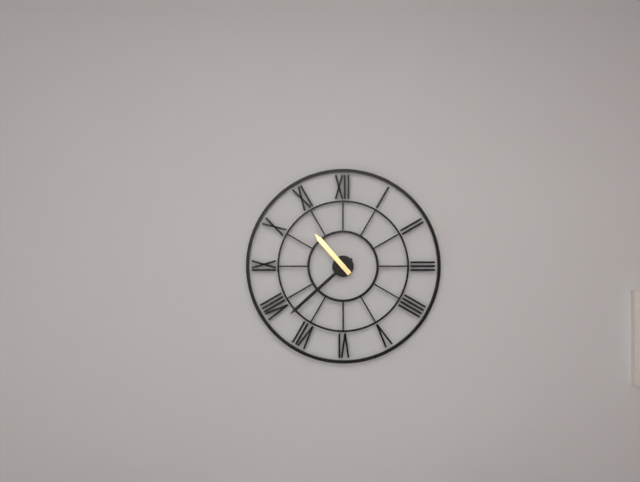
10:38
